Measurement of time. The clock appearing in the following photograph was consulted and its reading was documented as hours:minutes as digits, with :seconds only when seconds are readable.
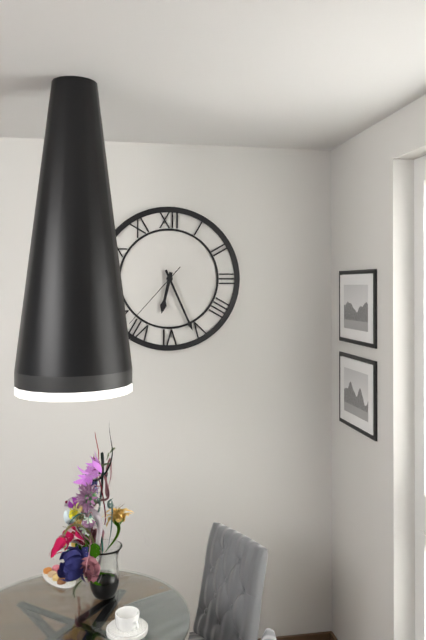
6:26:37
